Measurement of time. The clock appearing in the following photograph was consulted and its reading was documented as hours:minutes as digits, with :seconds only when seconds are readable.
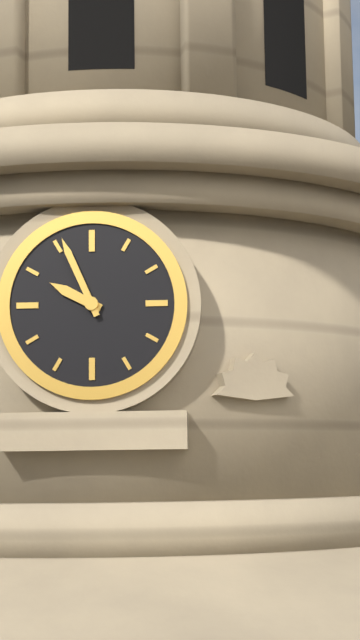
9:56
